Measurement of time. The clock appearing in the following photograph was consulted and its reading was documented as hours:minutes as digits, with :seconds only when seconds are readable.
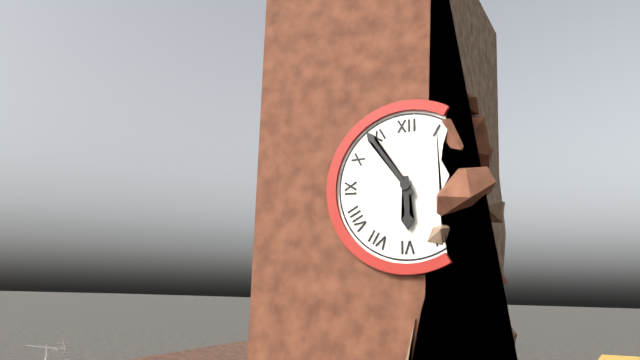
5:54
